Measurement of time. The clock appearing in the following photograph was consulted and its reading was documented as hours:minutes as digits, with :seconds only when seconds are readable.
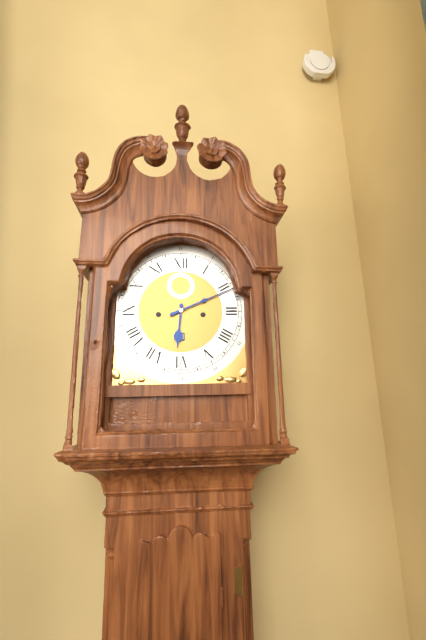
6:11
